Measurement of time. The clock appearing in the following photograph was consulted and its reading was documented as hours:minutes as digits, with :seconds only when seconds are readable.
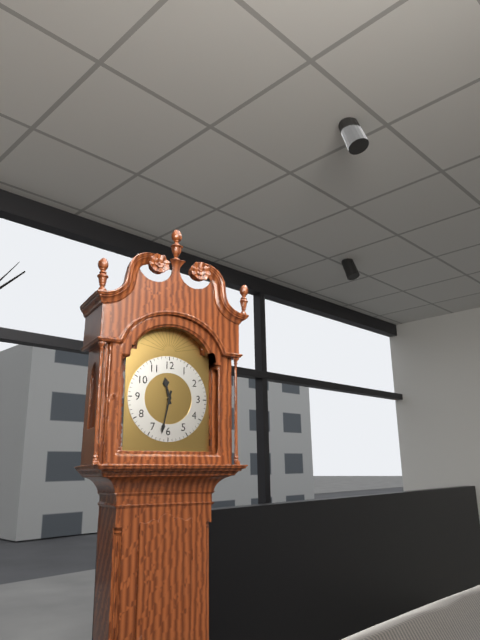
11:32
